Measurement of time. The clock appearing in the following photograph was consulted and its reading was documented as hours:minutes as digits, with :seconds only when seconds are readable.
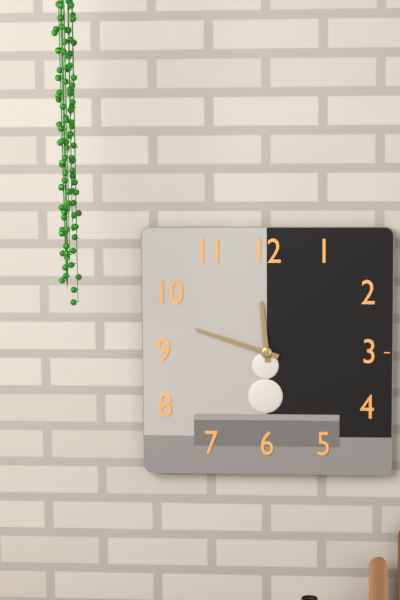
11:48
